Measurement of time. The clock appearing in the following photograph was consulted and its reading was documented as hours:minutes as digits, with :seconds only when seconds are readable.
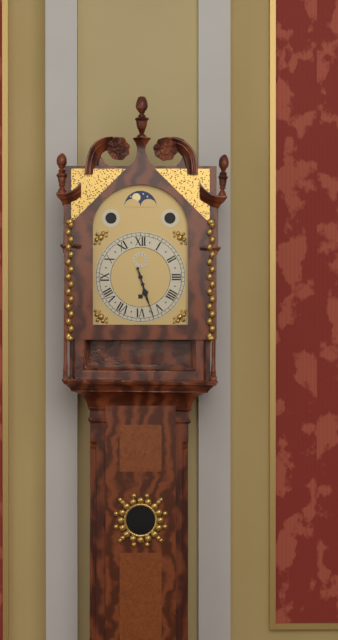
5:27
